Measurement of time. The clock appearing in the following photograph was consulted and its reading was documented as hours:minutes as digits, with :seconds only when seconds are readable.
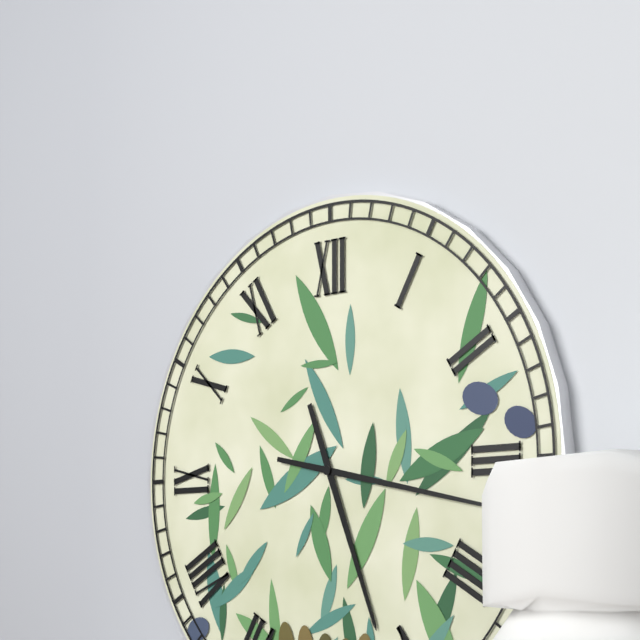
5:17
